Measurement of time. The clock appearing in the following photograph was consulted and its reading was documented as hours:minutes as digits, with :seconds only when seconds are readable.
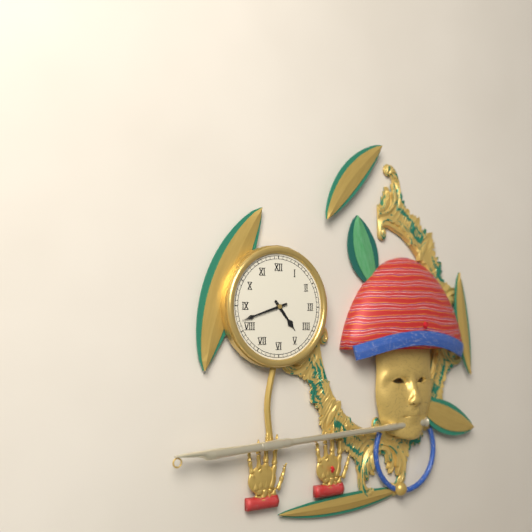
4:42
